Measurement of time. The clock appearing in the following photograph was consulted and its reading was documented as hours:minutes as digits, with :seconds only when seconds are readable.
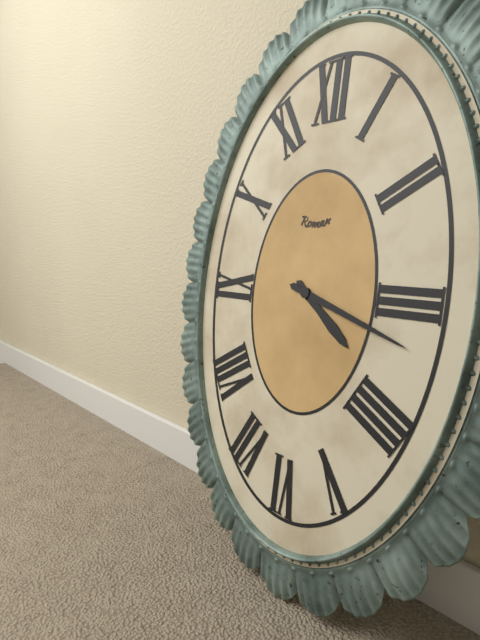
4:18
